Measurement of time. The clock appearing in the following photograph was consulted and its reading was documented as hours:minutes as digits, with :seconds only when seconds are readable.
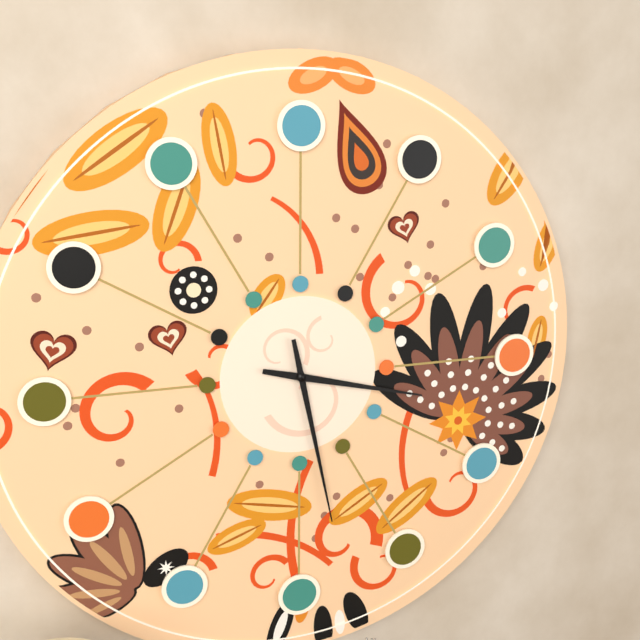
3:28
